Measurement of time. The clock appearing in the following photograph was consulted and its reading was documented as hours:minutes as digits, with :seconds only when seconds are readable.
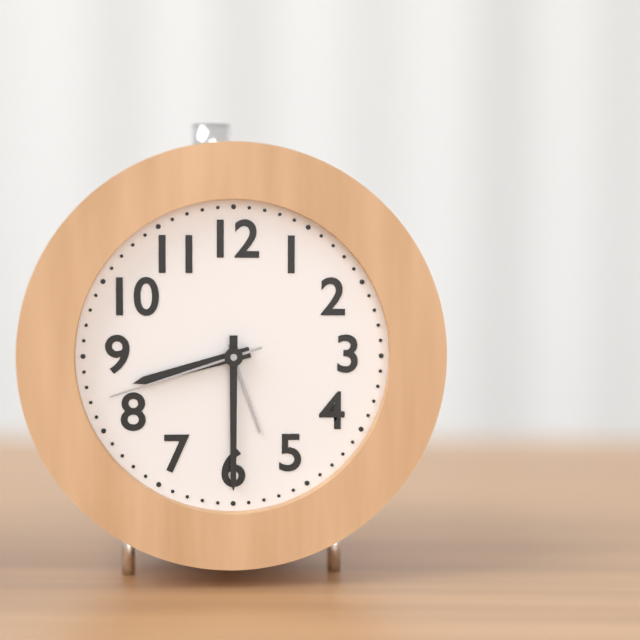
8:30:42
